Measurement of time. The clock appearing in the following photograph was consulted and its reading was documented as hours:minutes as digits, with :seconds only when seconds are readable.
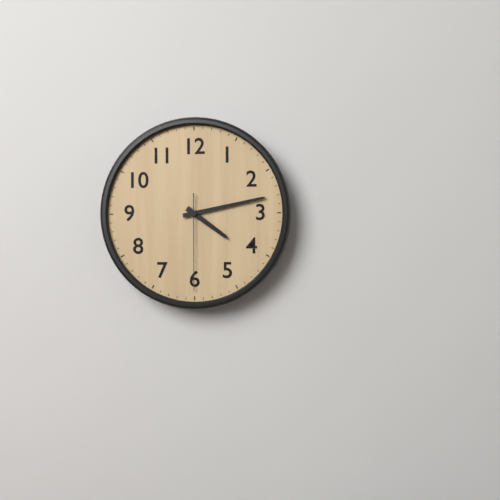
4:13:30
